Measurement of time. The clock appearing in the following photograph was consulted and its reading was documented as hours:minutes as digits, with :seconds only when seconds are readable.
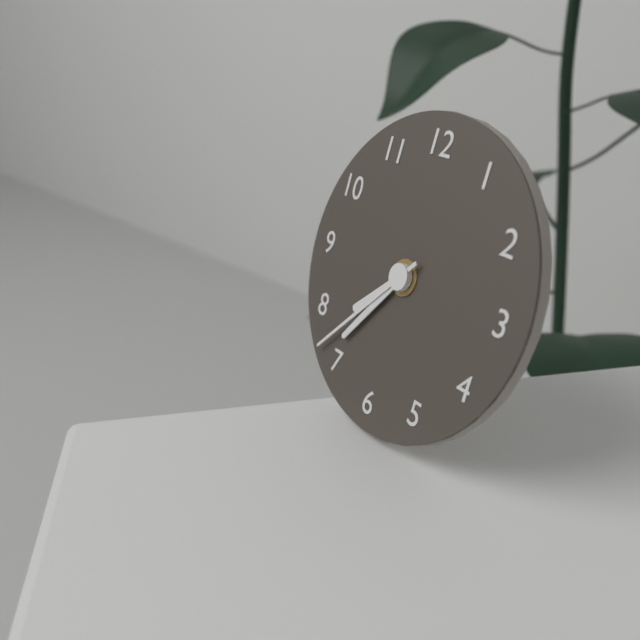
7:36:37
